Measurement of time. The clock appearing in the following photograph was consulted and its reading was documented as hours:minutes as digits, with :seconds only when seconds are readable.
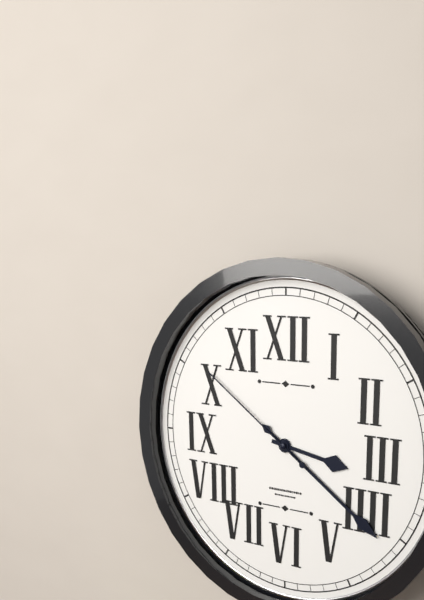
3:21:51
